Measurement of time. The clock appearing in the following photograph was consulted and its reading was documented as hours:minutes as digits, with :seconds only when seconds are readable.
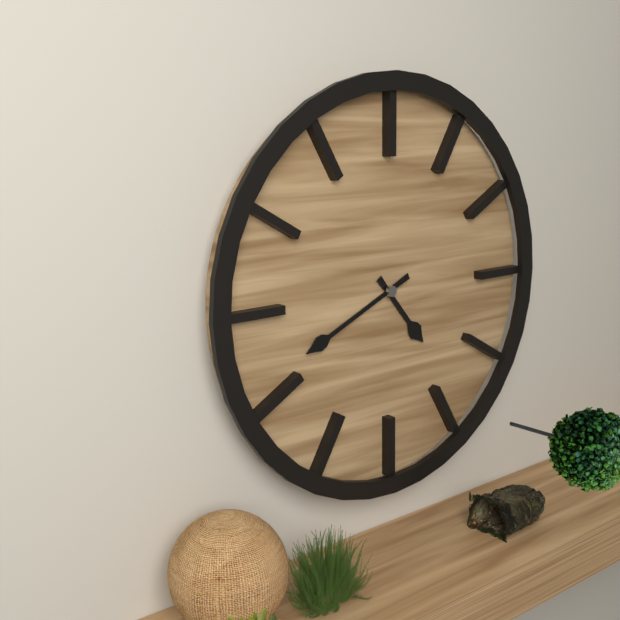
4:41
